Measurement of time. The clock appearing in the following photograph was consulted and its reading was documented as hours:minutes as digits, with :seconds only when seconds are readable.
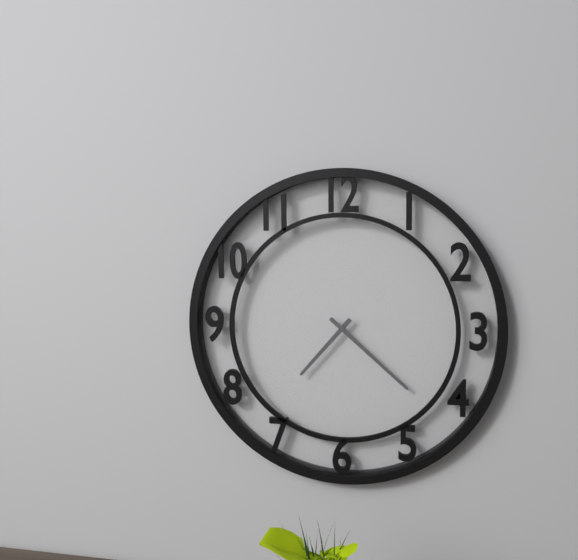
7:22
